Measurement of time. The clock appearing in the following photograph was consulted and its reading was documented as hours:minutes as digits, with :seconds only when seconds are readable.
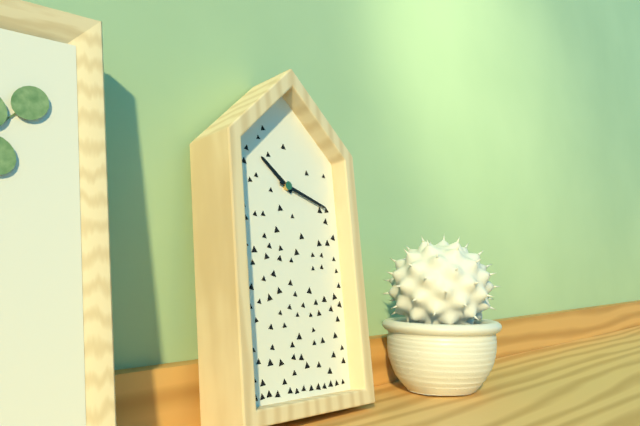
10:18
